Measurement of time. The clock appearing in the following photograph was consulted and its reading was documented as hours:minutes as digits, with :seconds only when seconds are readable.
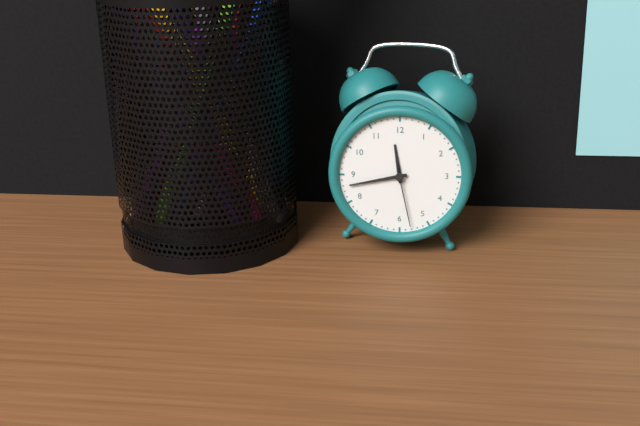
11:43:28
